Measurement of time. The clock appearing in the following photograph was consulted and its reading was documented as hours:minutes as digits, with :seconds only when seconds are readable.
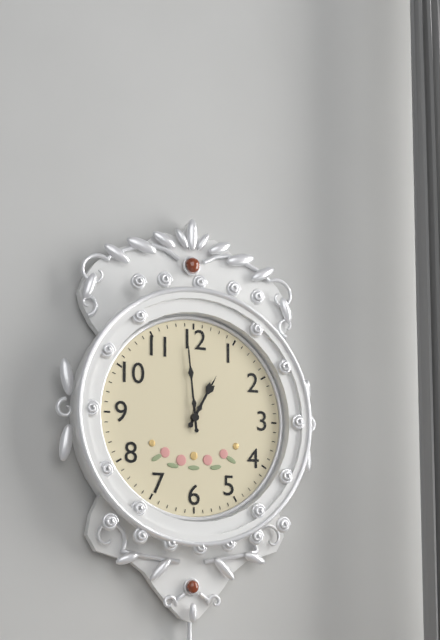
12:59
